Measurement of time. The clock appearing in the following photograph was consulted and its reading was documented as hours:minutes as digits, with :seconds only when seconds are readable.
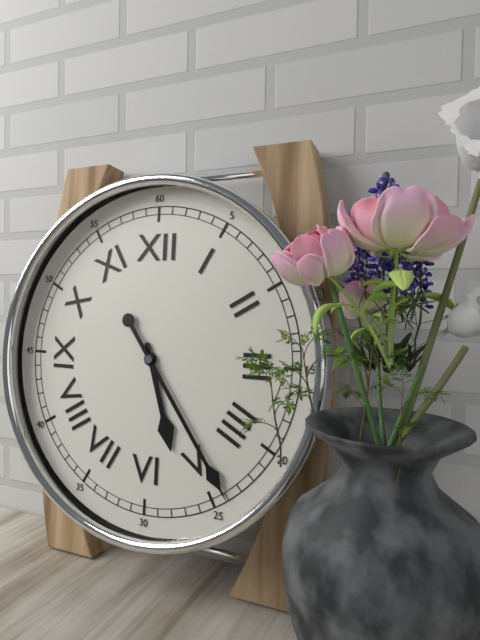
5:24
